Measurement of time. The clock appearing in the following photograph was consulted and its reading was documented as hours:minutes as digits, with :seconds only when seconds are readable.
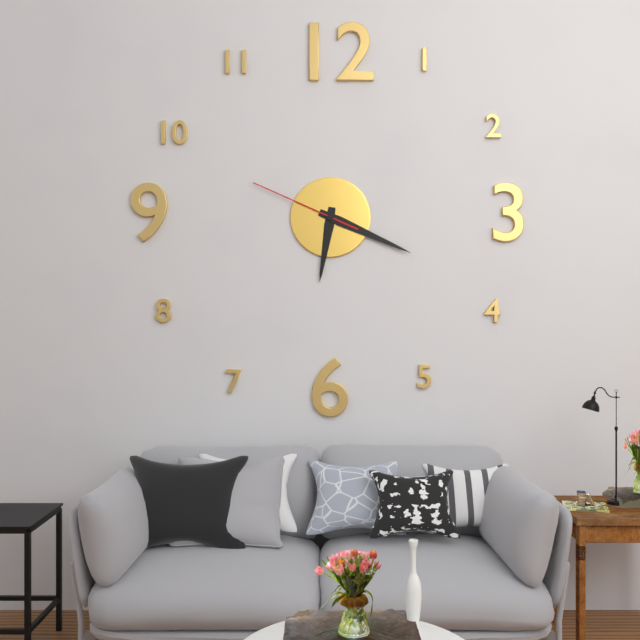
6:19:49
